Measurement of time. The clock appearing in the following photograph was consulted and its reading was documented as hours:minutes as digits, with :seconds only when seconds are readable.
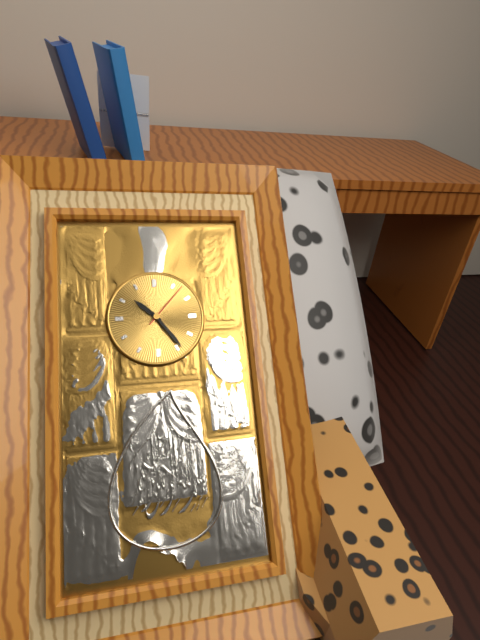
10:24:07
